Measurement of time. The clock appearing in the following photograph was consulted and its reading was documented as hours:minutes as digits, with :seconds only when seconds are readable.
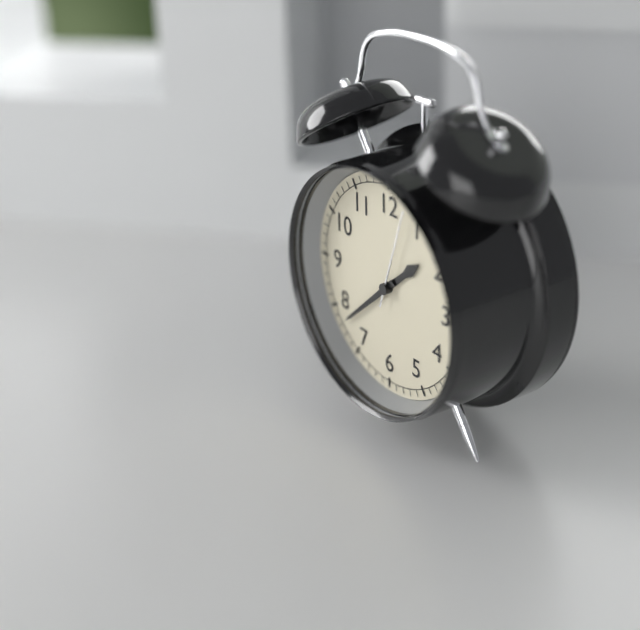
1:38:03
